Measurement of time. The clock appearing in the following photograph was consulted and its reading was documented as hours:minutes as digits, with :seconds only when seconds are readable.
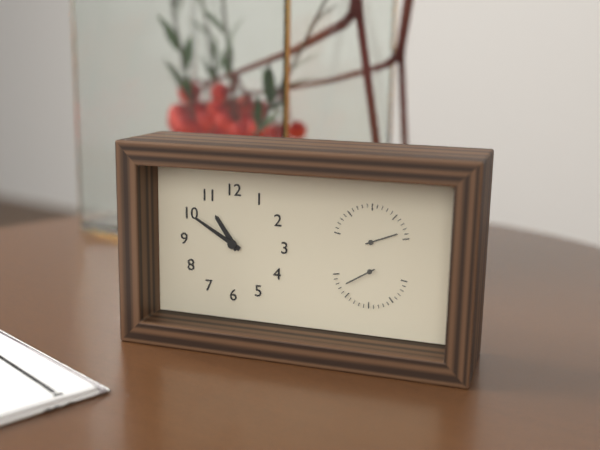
10:50
